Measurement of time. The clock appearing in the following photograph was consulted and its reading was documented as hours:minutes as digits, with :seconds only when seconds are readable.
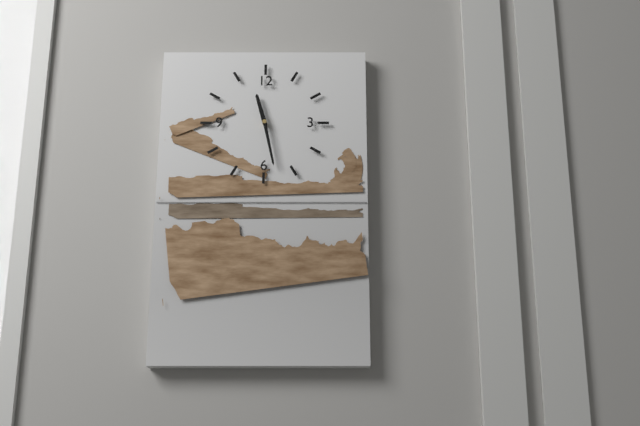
11:28
